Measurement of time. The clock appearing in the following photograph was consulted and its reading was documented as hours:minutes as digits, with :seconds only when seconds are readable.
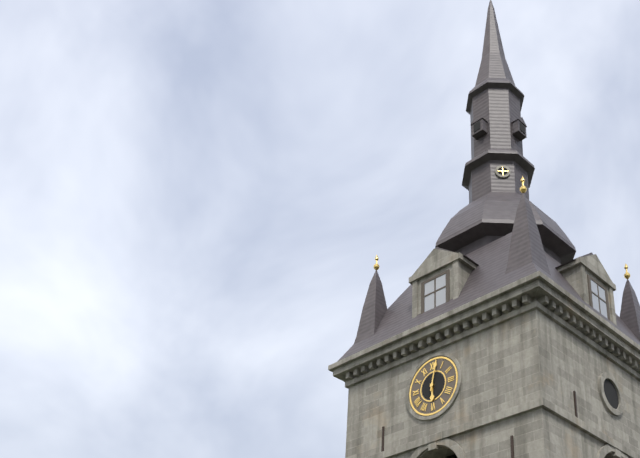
6:02
